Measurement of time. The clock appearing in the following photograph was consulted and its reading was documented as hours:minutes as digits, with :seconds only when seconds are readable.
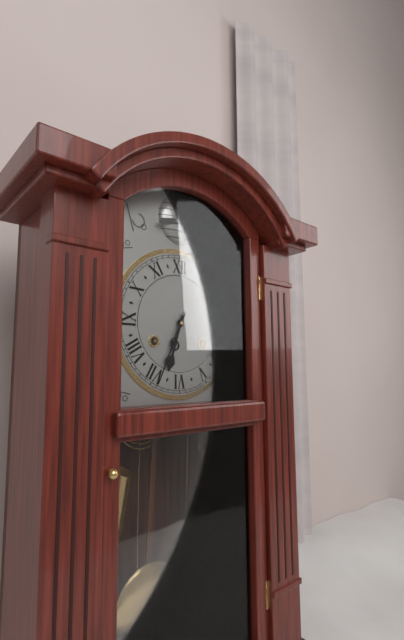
6:34
